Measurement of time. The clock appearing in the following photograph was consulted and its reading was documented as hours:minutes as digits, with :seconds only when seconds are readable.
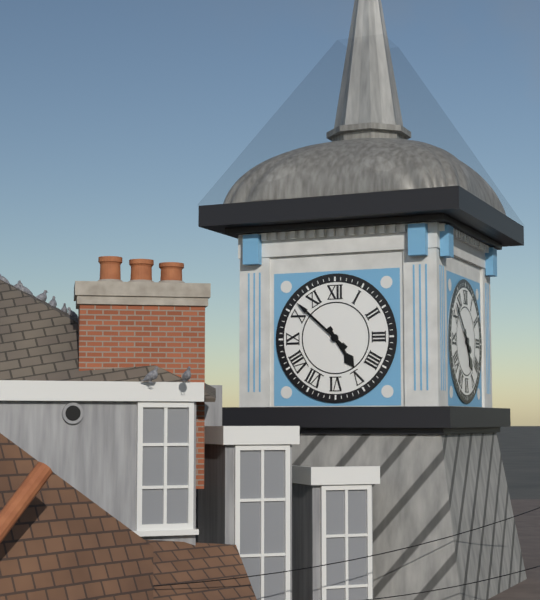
4:52
